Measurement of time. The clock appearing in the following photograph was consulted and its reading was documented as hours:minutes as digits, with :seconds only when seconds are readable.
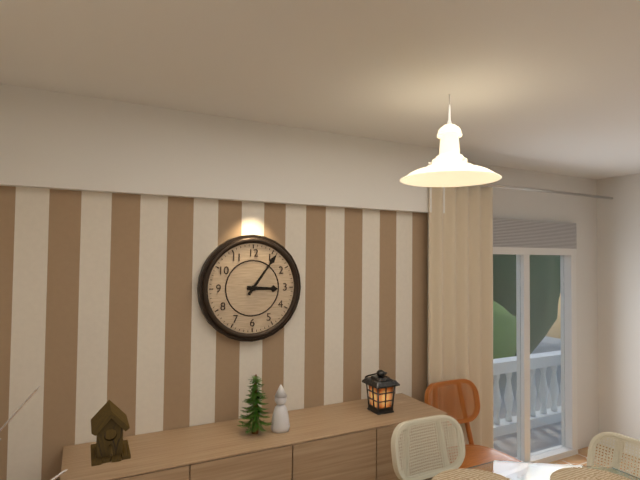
3:06
